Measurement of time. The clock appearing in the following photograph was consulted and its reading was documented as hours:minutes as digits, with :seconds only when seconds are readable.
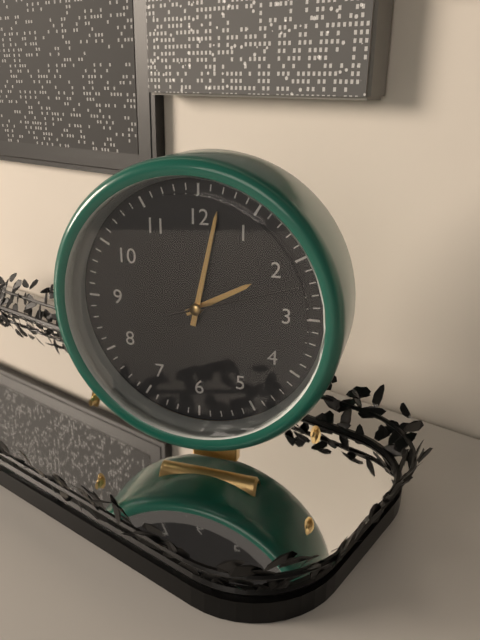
2:02:12
